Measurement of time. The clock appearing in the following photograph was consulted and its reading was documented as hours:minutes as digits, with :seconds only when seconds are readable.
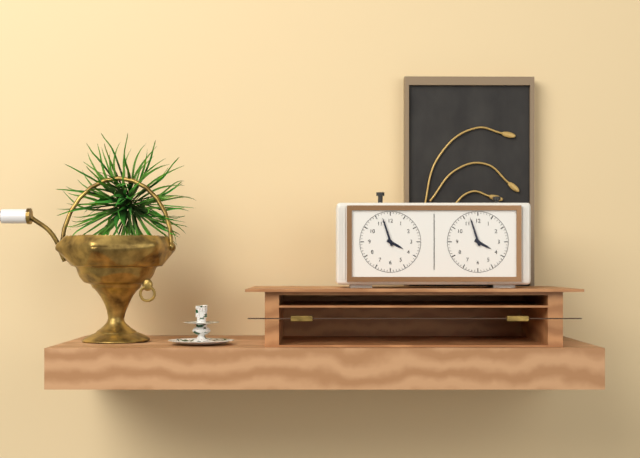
3:57
